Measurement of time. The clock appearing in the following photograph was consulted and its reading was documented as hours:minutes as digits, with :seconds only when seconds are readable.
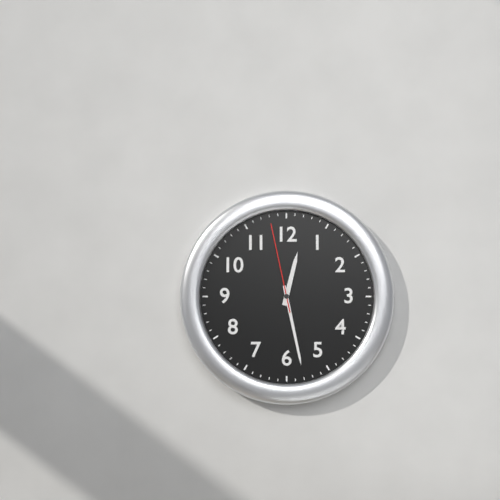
12:28:58
